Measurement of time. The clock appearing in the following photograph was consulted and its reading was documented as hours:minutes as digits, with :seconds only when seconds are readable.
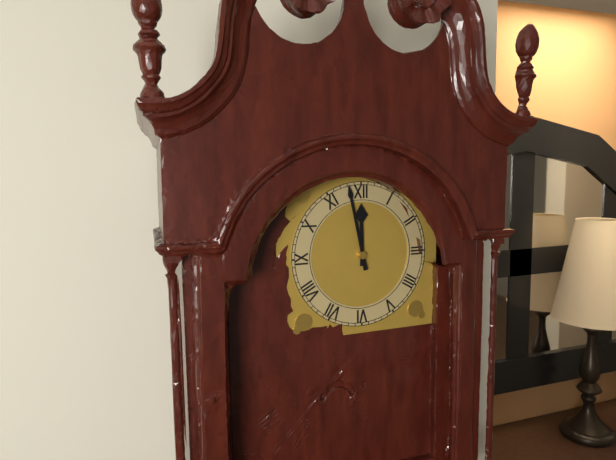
11:58
